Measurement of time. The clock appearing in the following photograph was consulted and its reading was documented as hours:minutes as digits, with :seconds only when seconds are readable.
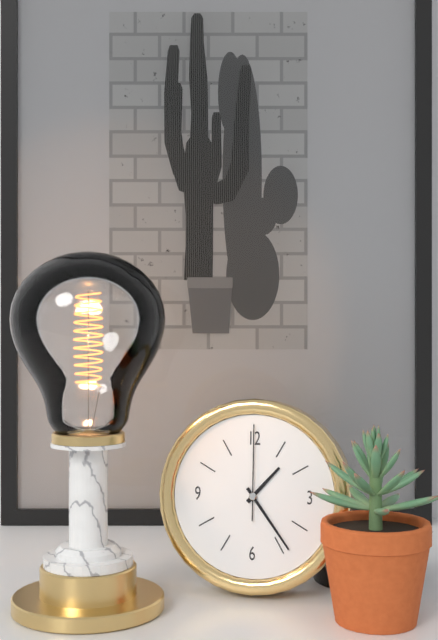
1:24:00
